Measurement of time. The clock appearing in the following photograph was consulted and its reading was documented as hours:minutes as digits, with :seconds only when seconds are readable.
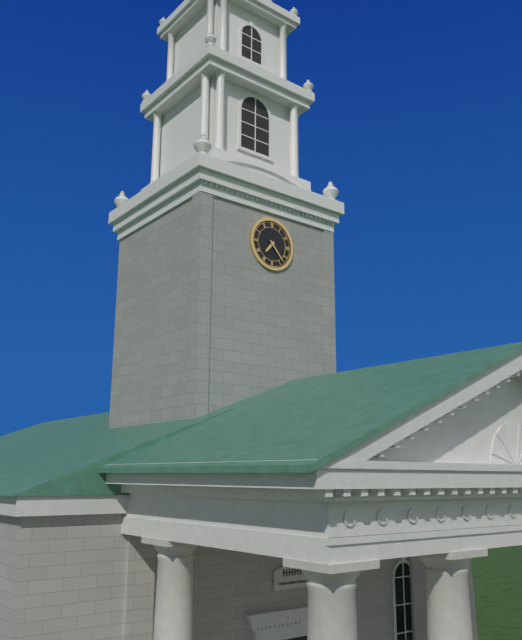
7:23
